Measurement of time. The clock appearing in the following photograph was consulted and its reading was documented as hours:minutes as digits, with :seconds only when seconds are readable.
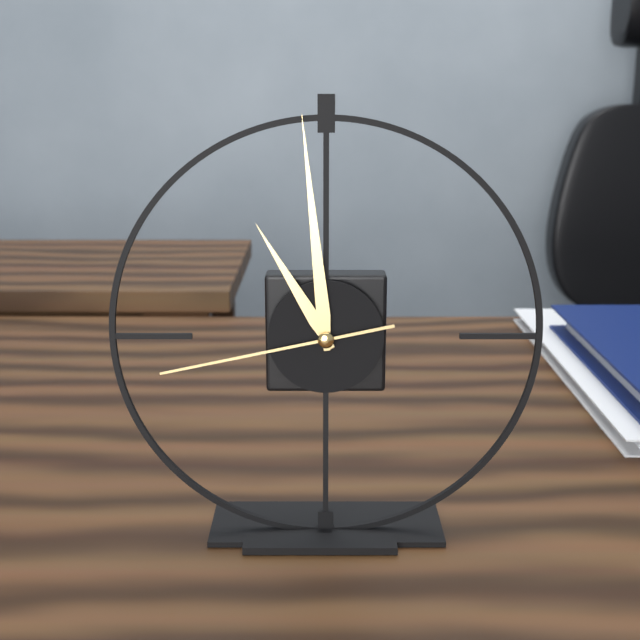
10:59:43
